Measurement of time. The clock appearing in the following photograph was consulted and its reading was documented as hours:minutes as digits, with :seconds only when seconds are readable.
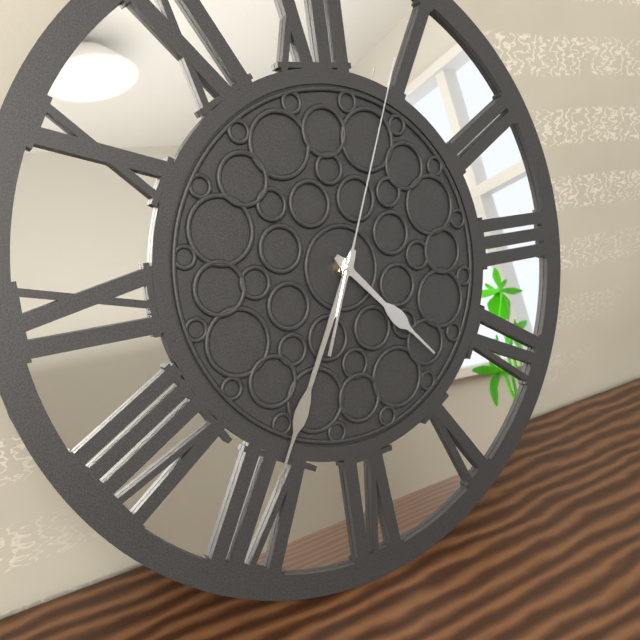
4:35:04
